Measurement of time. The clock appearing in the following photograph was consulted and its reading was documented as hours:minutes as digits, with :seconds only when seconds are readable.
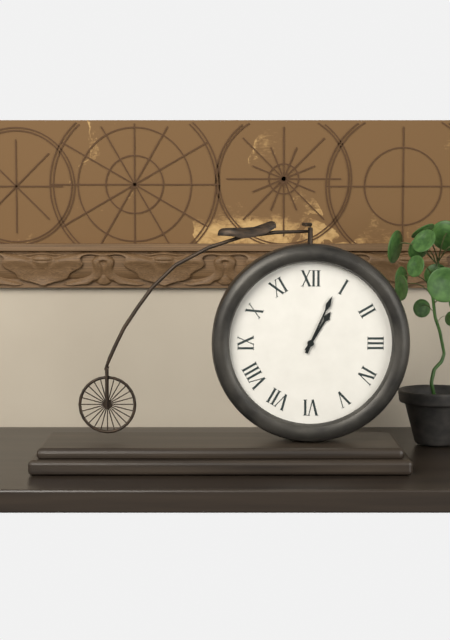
1:04
